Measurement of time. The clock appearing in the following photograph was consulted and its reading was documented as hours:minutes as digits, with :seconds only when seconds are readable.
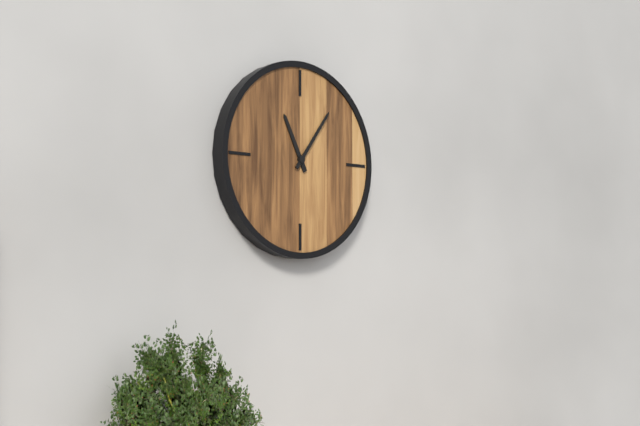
11:06
